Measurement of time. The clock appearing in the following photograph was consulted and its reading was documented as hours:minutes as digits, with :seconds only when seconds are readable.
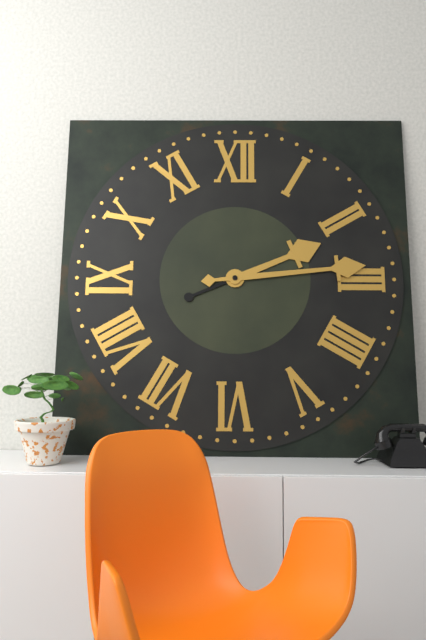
2:14
